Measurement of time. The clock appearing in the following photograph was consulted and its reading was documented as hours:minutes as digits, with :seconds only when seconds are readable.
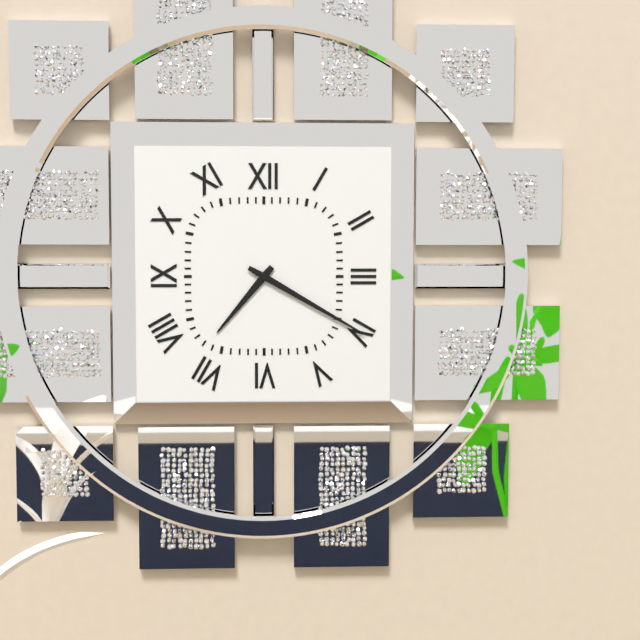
7:20
